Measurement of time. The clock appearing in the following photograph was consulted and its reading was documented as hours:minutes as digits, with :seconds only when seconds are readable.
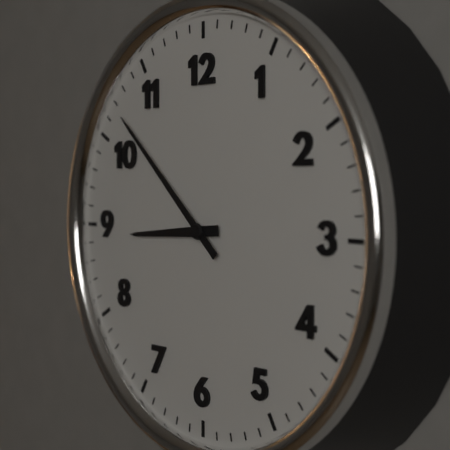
8:52
